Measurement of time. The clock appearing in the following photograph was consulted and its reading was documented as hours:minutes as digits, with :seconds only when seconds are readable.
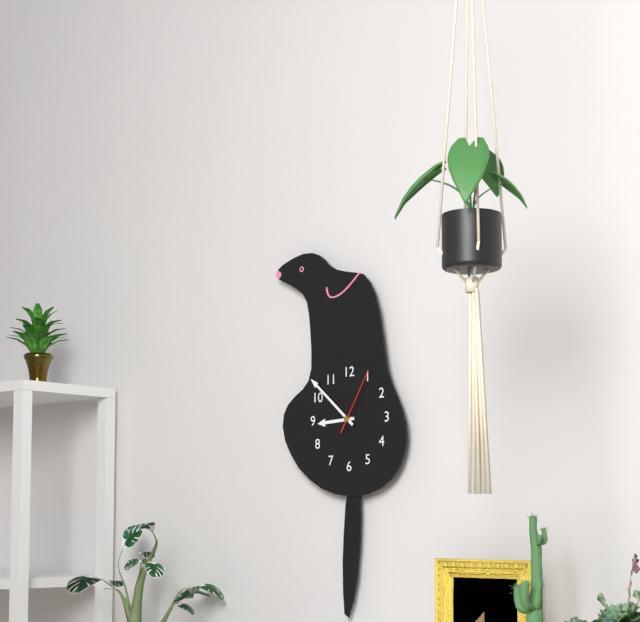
8:52:05
